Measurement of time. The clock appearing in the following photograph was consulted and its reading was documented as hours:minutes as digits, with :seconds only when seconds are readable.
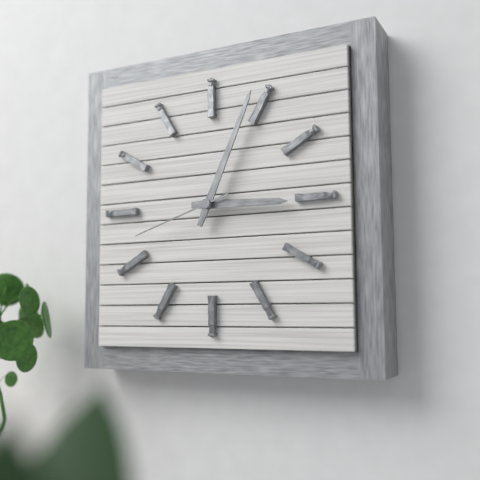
3:04:42
